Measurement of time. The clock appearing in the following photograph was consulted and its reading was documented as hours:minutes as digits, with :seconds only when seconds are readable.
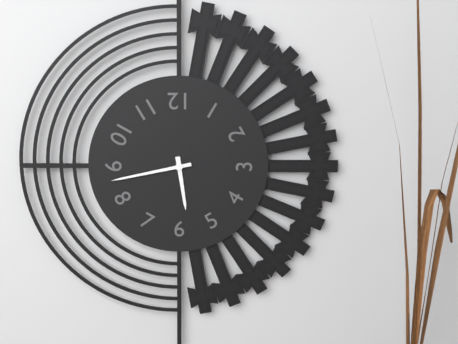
5:43
